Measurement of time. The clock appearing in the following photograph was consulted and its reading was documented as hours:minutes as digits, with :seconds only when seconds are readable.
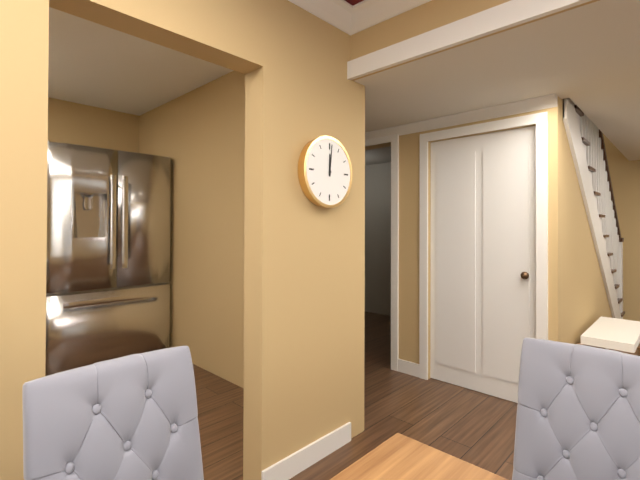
12:01
